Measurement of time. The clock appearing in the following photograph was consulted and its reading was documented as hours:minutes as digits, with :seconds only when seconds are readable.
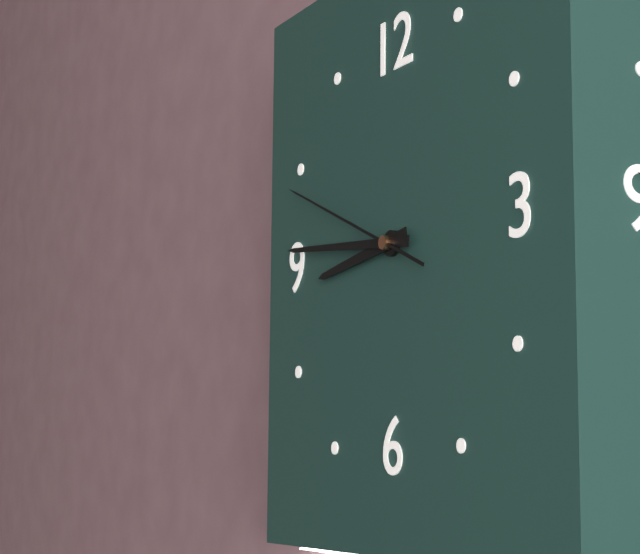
8:46:49
